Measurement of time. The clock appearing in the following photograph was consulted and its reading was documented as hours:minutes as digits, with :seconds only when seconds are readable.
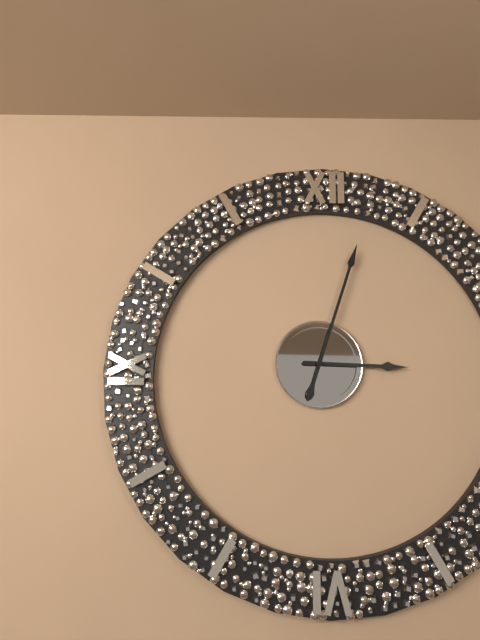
3:03
